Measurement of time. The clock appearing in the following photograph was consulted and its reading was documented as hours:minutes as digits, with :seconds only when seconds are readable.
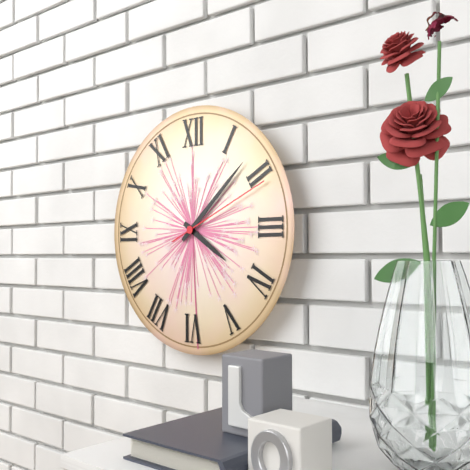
4:08:11
